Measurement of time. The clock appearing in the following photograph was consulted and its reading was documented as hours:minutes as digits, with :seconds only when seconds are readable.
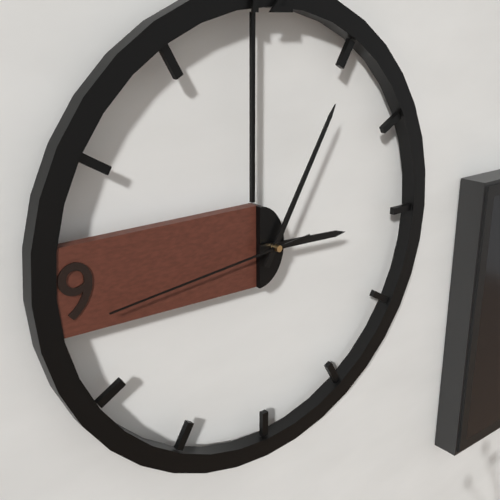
3:05:44
